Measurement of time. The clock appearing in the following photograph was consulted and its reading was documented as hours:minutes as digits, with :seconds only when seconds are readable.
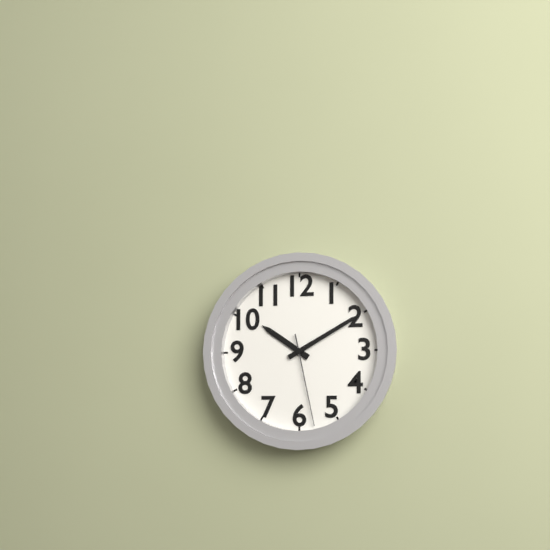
10:10:28
